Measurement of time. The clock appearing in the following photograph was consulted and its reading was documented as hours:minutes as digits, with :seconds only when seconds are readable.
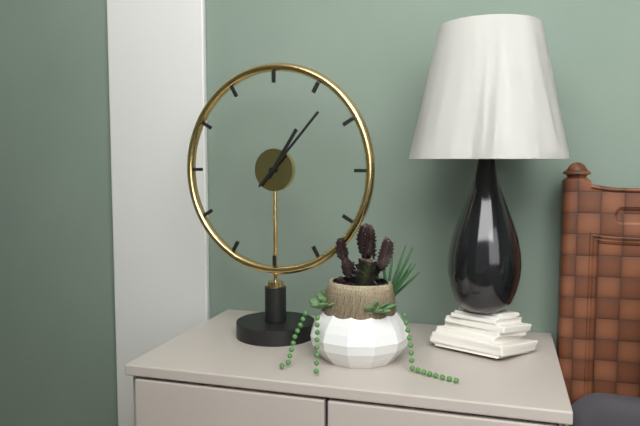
1:07
